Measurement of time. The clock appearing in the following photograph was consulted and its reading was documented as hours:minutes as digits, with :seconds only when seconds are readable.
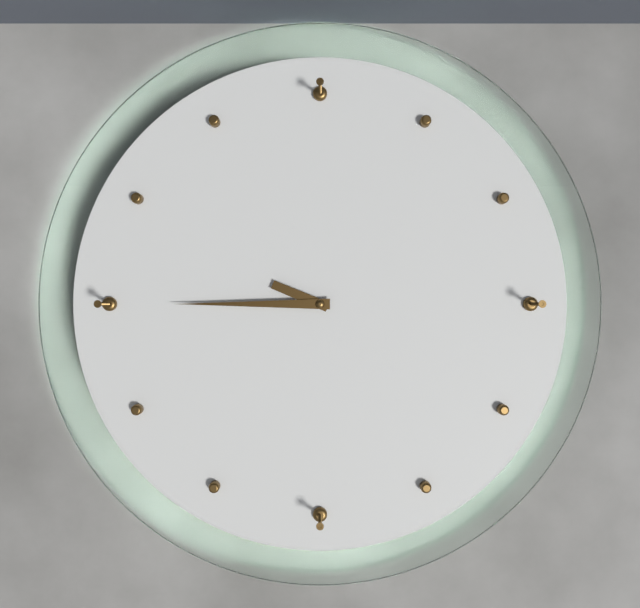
9:45
